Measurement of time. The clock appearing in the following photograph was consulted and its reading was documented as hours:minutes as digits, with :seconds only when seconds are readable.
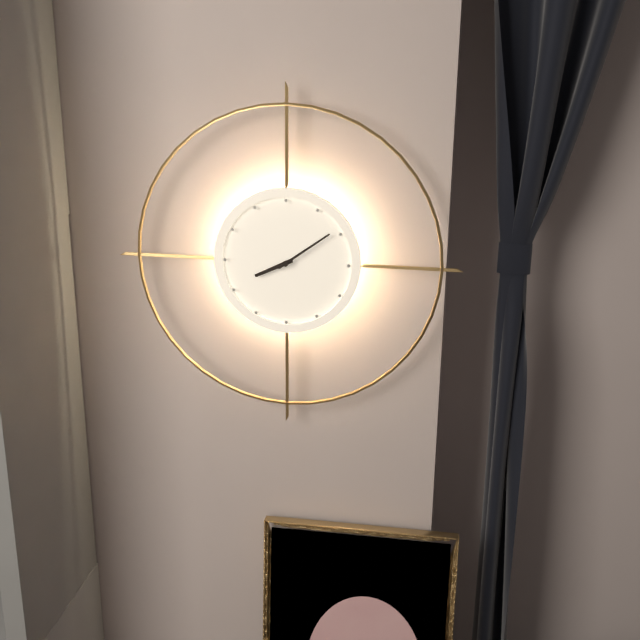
8:09
